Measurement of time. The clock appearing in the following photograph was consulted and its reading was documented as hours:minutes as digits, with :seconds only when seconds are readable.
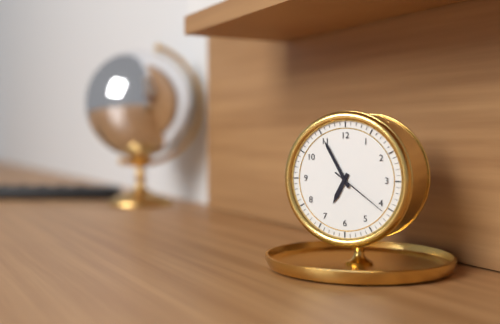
6:55:21
